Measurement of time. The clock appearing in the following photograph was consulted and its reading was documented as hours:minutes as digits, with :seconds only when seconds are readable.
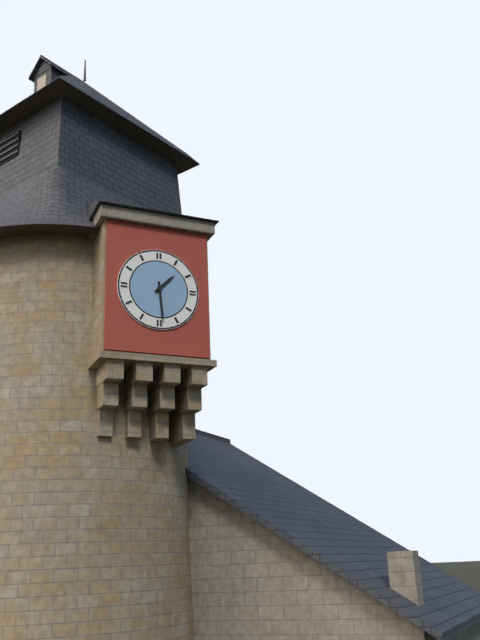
1:29
